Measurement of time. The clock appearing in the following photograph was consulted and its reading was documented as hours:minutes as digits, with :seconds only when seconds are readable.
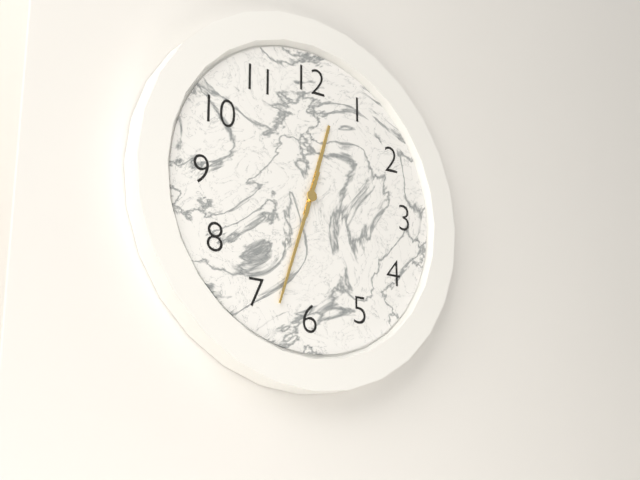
12:33
